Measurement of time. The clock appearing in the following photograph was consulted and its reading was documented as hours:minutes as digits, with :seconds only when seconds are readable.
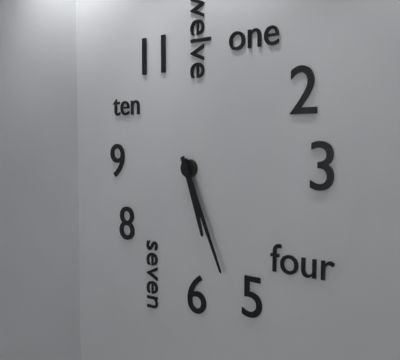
5:26
